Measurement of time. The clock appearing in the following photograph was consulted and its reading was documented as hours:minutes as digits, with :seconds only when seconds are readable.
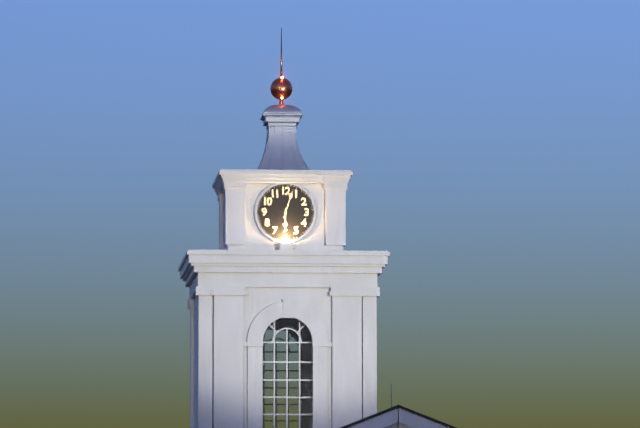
6:03
